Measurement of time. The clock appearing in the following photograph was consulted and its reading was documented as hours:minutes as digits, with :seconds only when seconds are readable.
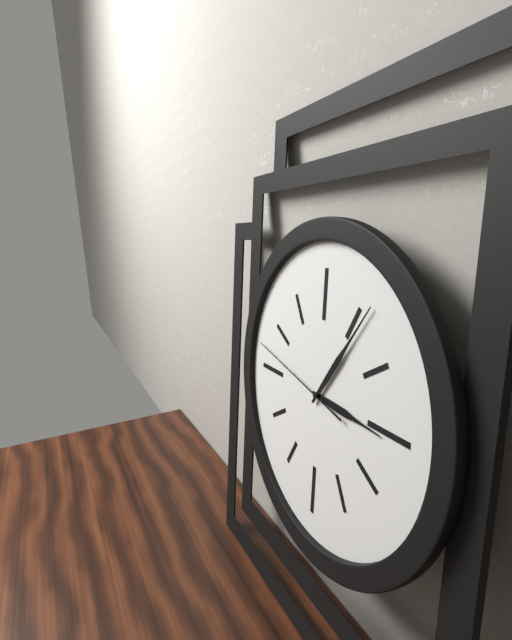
3:06:47
